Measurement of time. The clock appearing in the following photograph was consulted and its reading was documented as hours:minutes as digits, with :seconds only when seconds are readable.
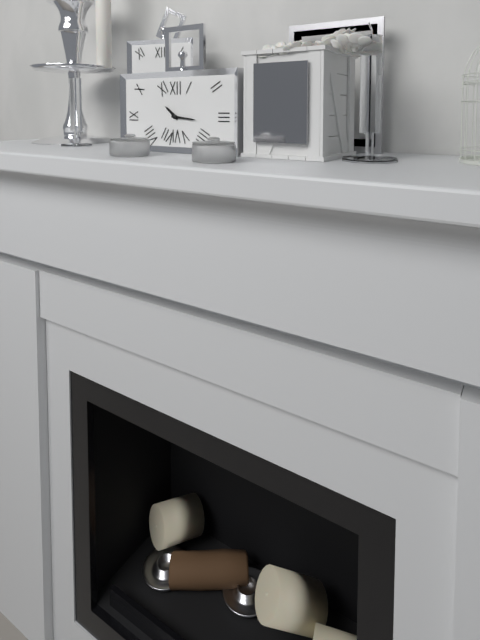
10:16
